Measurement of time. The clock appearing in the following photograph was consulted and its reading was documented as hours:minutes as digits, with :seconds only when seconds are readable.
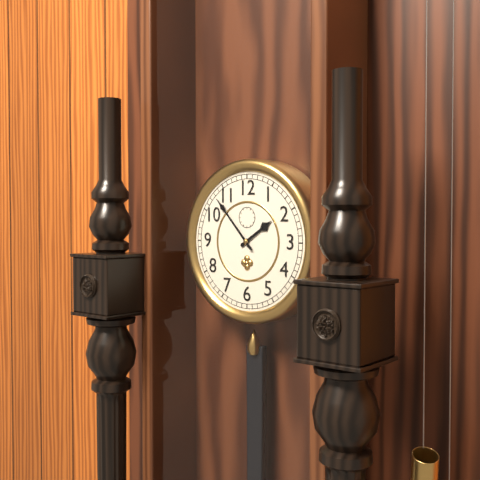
1:53
